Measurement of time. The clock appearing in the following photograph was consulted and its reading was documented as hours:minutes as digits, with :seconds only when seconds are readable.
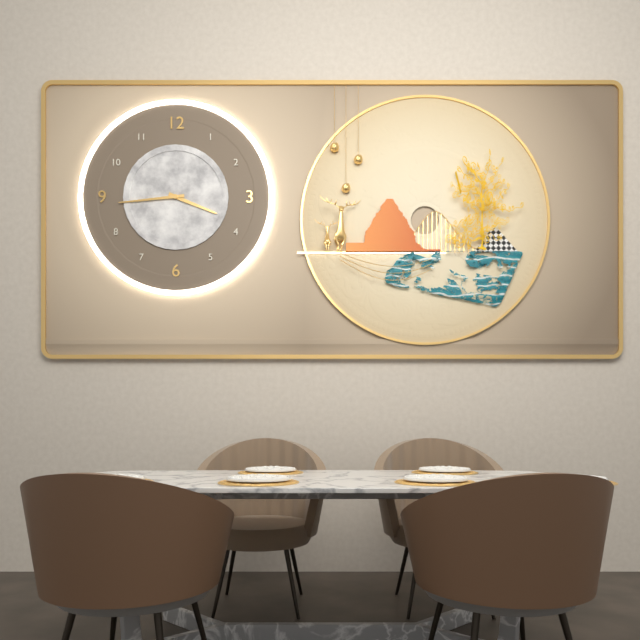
3:44
